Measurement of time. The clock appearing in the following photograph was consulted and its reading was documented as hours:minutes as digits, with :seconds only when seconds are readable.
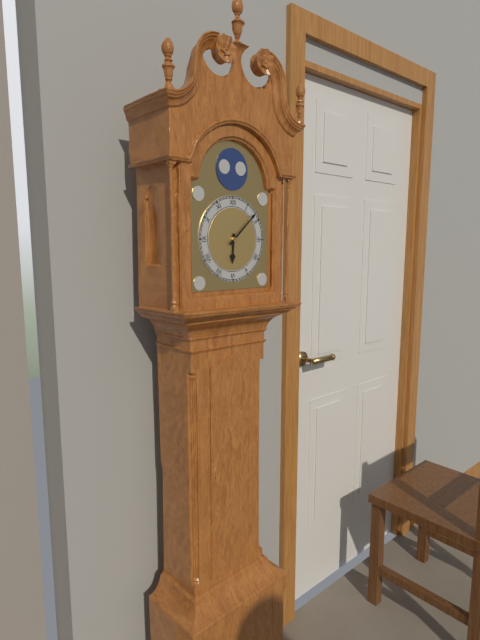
6:08
